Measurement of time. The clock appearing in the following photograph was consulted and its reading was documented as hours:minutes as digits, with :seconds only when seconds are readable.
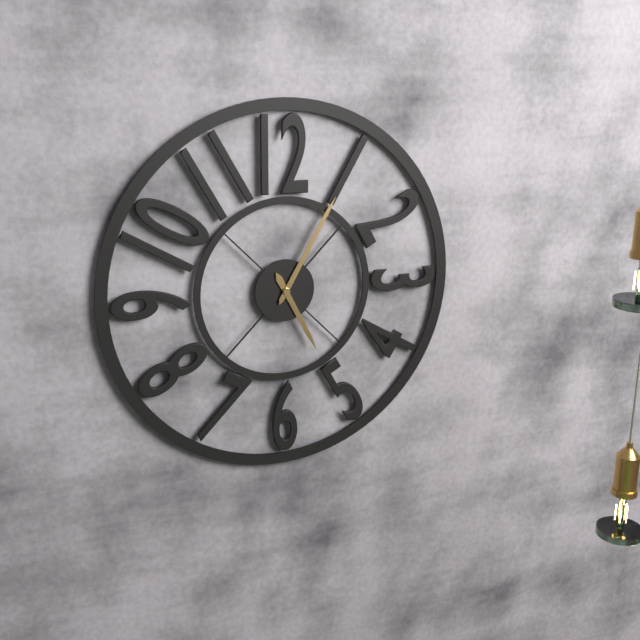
5:05
